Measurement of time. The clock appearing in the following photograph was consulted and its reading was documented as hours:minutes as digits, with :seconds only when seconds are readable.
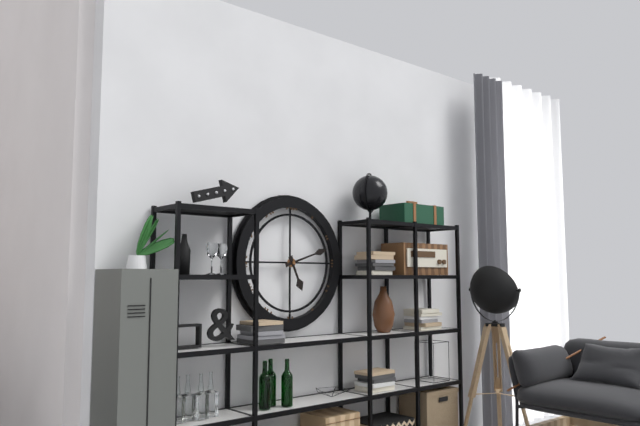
5:12
